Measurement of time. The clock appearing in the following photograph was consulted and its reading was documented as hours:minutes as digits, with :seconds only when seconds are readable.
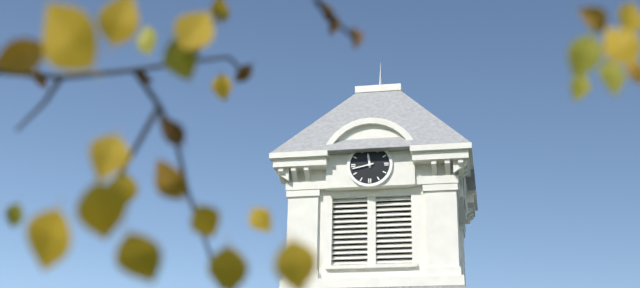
11:43
